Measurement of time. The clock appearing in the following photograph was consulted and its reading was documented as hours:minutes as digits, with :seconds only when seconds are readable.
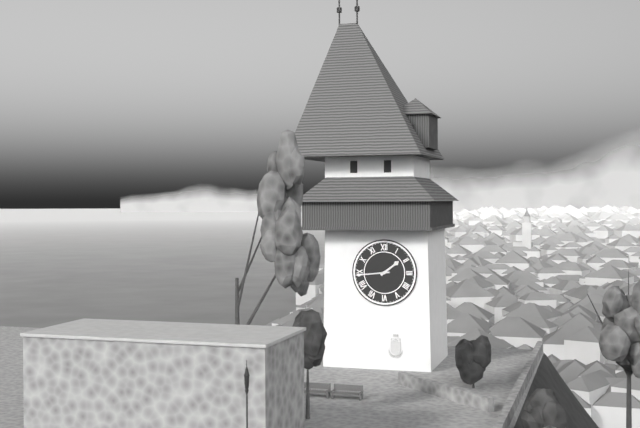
1:44
